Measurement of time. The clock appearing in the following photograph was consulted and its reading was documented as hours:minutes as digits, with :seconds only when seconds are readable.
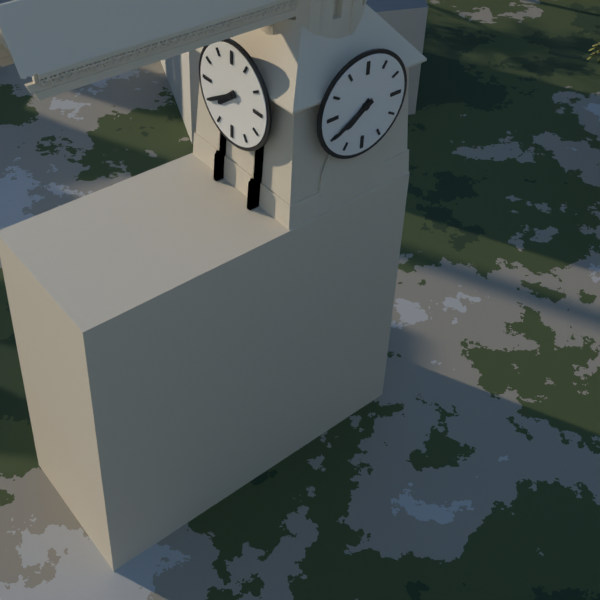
7:40
